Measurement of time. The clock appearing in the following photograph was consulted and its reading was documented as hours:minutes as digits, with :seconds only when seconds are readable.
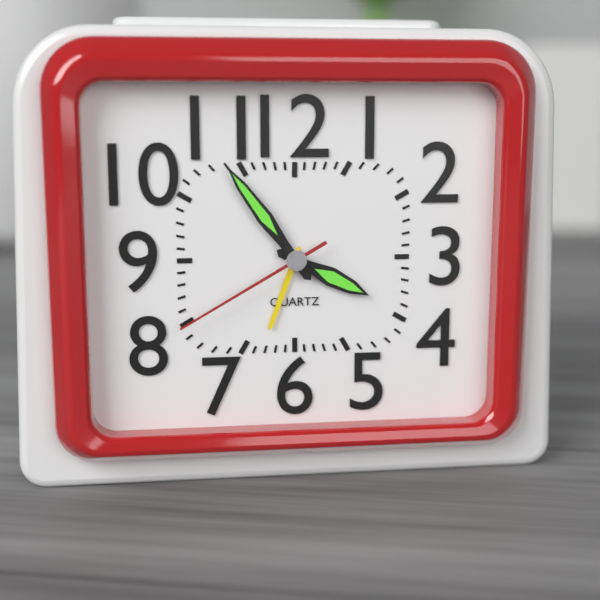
3:54:40
